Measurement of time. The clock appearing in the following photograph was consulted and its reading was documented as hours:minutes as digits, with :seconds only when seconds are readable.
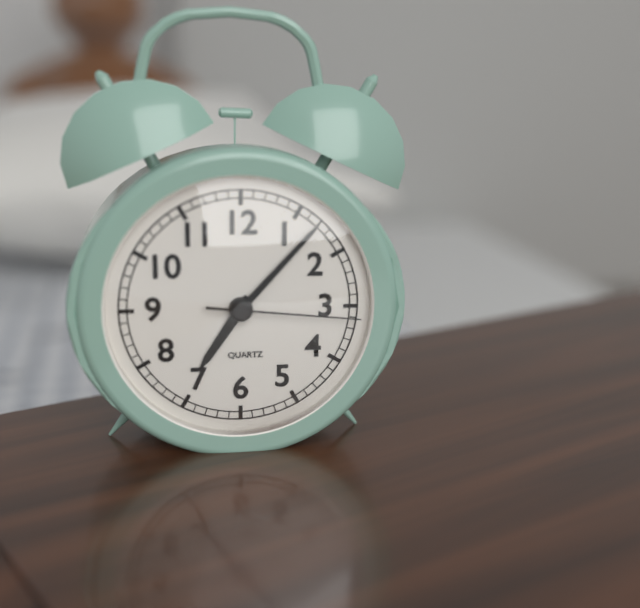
7:07:16
